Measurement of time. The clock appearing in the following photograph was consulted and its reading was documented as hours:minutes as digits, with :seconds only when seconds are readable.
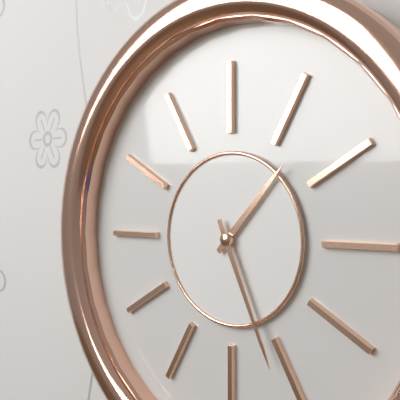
1:26
